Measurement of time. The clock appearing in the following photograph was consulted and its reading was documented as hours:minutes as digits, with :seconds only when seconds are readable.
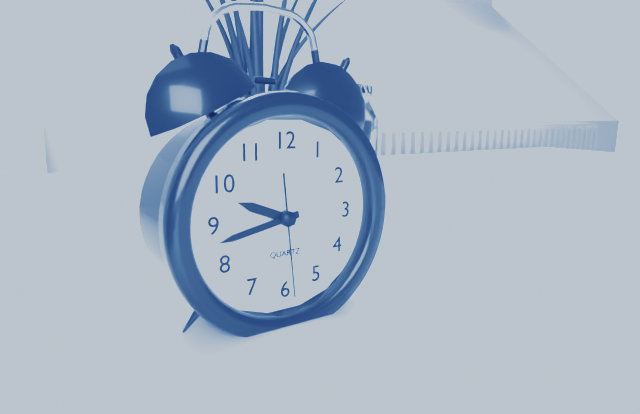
9:43:29
